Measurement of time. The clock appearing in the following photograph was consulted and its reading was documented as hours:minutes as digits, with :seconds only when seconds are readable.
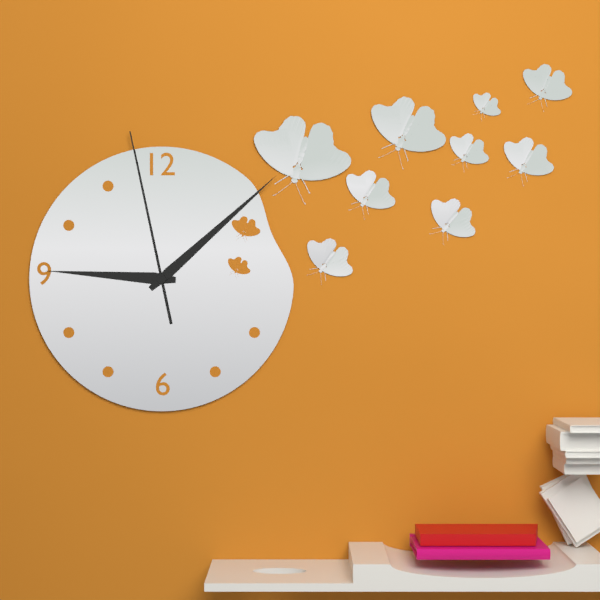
9:08:58
